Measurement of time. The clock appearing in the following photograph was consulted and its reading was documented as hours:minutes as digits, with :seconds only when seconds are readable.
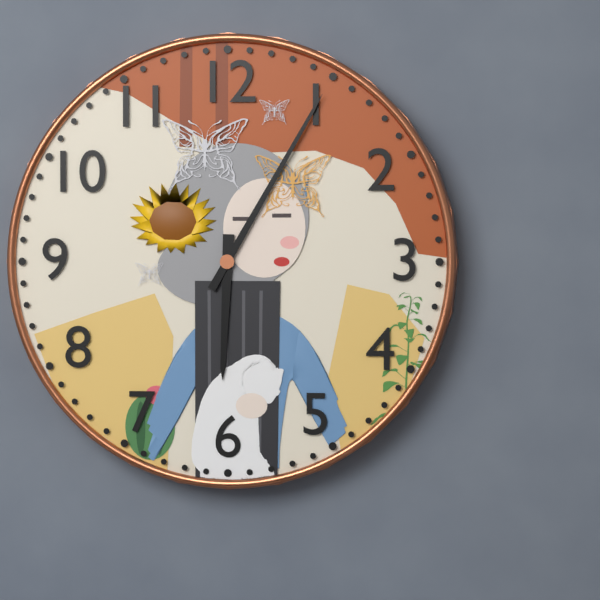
6:05
